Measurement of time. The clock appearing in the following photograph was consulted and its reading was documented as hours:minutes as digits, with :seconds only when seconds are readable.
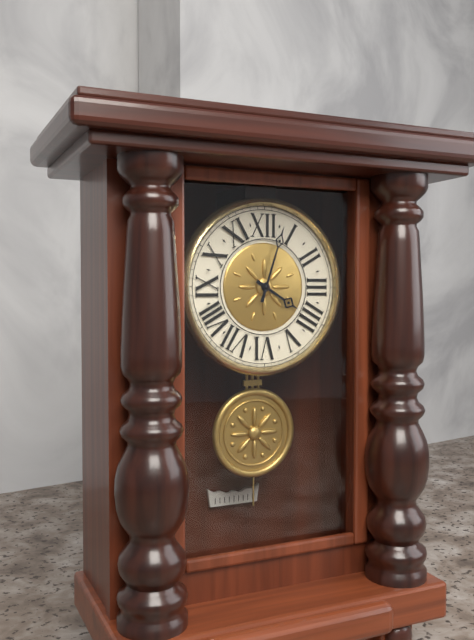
4:03
